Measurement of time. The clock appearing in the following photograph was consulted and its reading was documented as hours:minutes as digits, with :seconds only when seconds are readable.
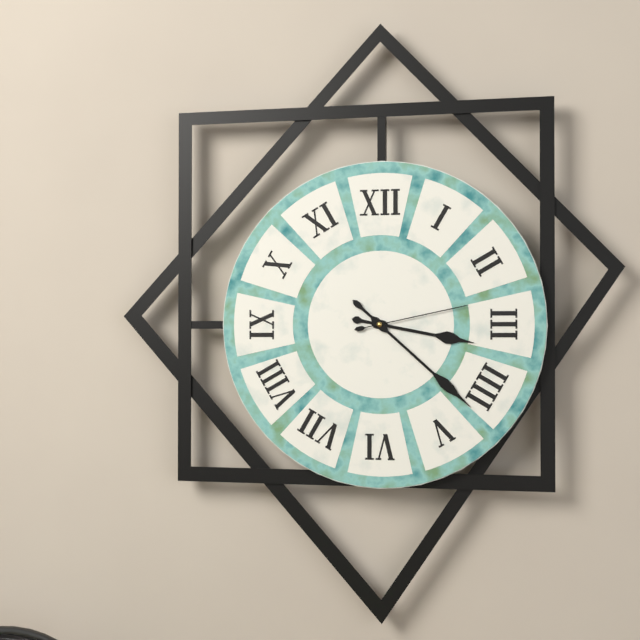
3:22:13
